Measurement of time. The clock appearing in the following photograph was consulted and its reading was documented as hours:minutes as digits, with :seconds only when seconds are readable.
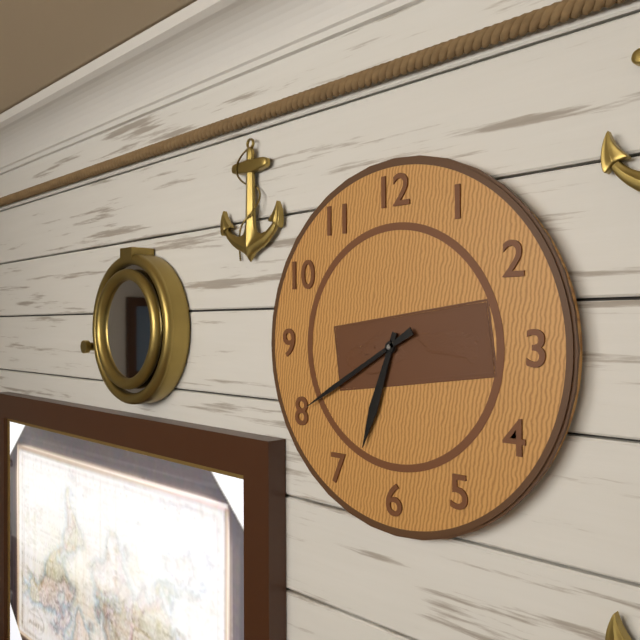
6:40
